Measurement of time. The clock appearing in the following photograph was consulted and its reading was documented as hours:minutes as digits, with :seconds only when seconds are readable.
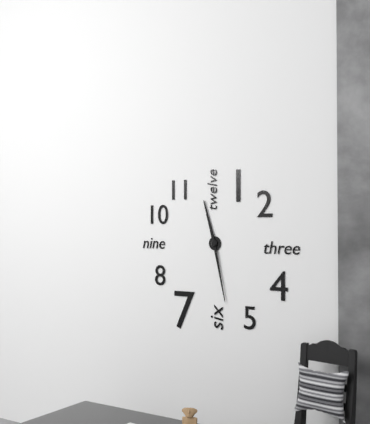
11:28
